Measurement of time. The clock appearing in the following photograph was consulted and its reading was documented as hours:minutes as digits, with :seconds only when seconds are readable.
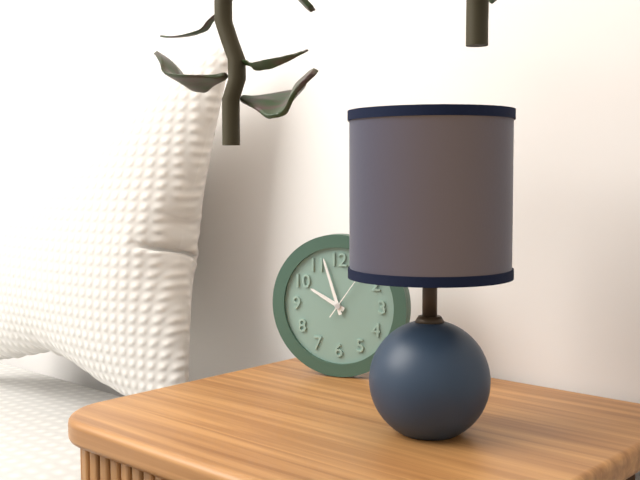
9:57
